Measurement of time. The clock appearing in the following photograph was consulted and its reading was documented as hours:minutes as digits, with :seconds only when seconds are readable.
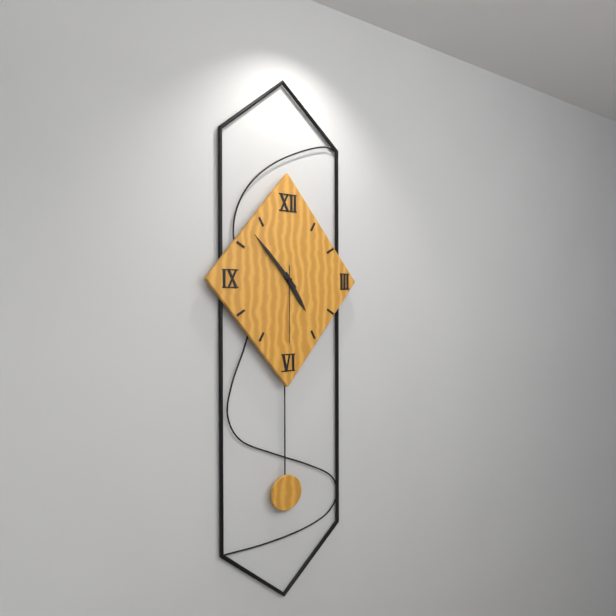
4:53:30
